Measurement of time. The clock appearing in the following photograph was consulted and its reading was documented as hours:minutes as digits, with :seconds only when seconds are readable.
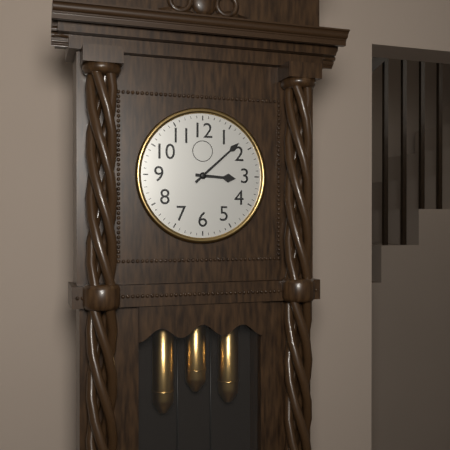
3:08
